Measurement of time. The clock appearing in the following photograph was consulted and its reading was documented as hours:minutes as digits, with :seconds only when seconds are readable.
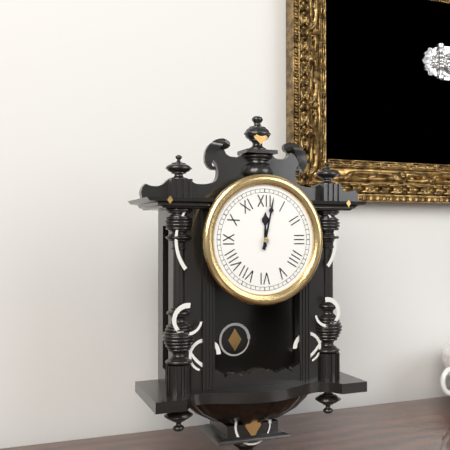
12:02
